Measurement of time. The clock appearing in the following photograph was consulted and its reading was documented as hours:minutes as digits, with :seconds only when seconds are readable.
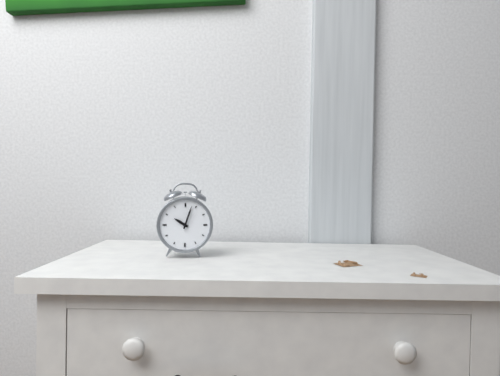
10:03
